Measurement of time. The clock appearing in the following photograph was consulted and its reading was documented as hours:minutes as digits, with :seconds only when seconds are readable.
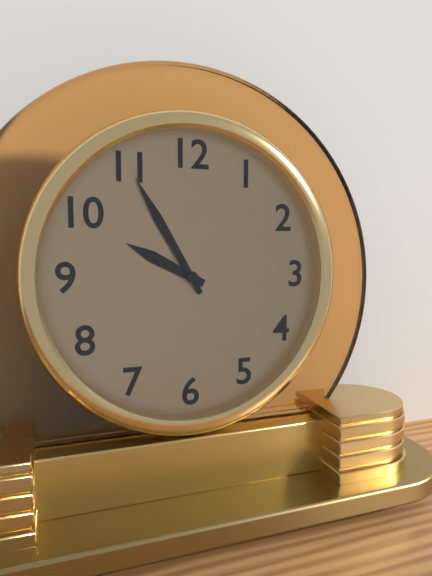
9:55
